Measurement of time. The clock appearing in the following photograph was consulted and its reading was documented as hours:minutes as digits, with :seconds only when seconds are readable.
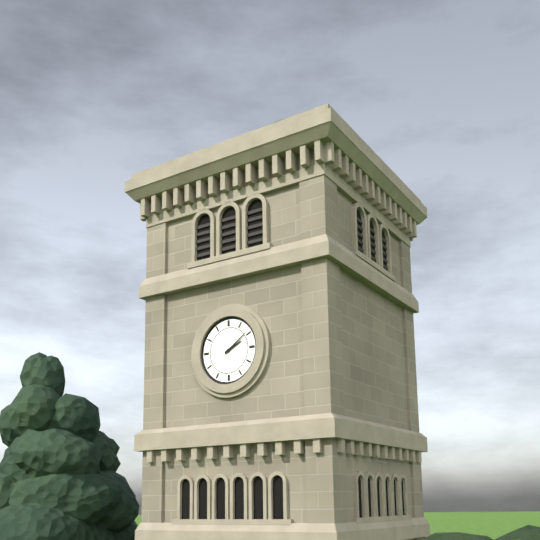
2:09
